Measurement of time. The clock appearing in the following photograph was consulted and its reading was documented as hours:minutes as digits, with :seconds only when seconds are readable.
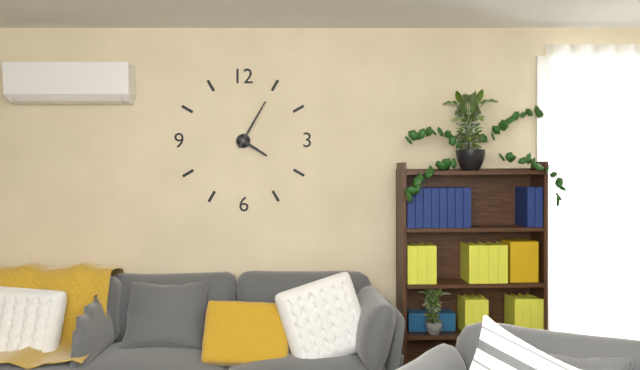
4:05
